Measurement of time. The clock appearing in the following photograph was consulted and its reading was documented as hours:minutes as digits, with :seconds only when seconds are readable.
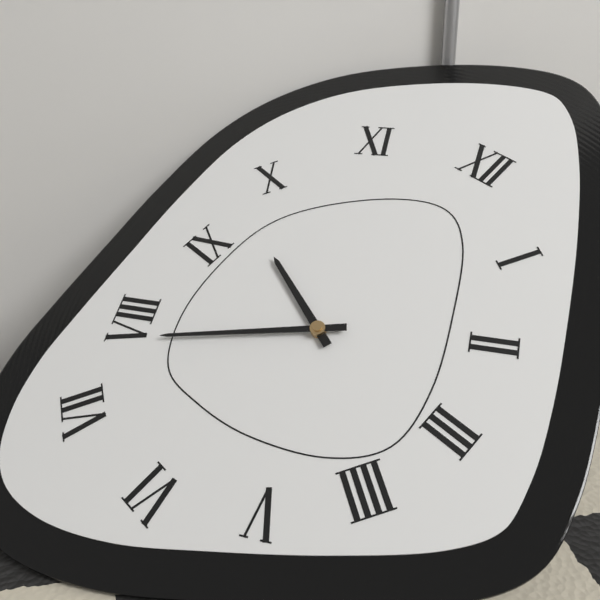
9:38
